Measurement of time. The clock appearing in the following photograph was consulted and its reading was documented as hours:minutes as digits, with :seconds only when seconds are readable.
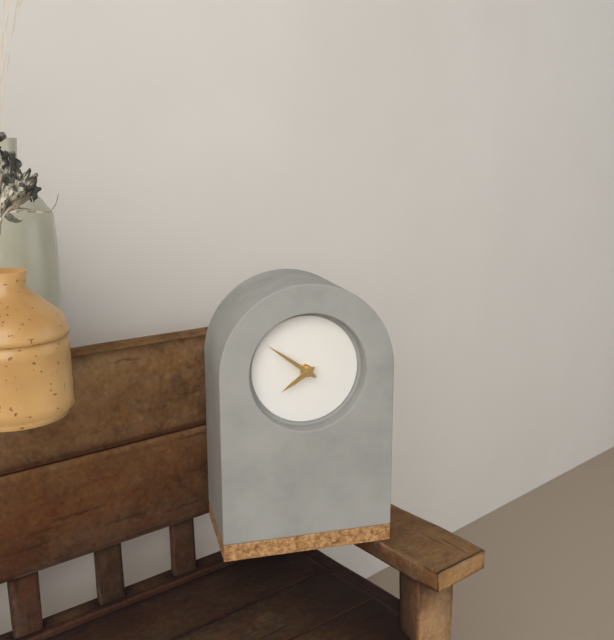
7:51
